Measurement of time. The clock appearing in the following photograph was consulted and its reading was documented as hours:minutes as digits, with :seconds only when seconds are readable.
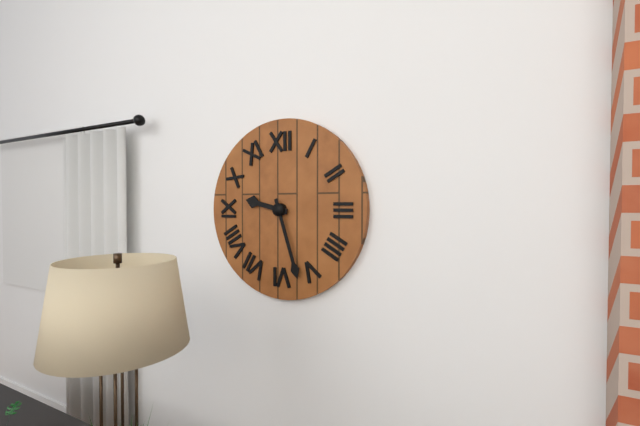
9:27
